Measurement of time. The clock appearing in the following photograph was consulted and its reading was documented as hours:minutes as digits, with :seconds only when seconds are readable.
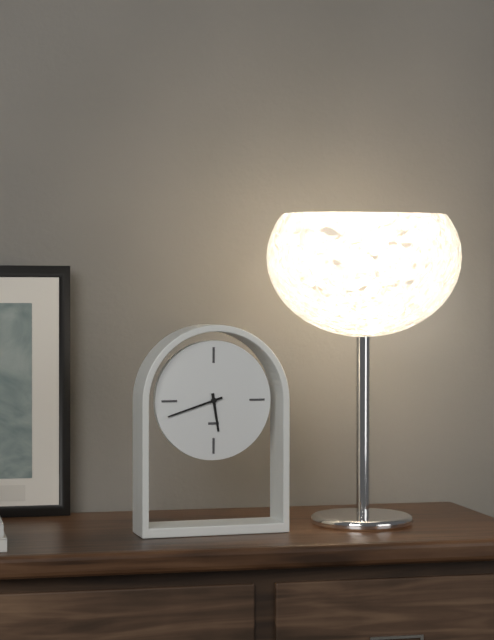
5:42
